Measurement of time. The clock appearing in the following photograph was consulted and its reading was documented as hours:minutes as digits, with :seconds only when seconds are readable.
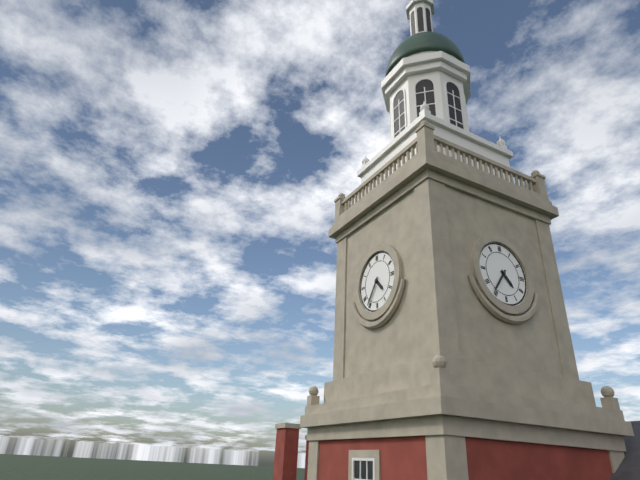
4:36
